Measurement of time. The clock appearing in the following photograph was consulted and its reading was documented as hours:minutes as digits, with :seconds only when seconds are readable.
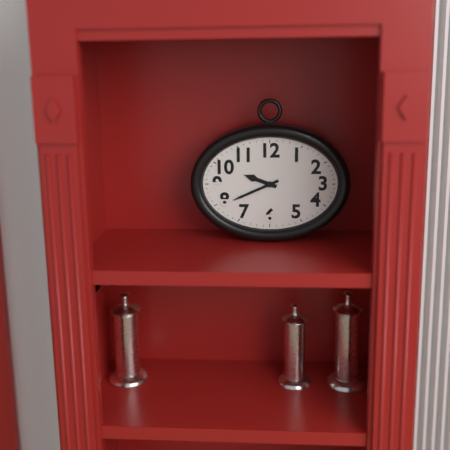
9:41
